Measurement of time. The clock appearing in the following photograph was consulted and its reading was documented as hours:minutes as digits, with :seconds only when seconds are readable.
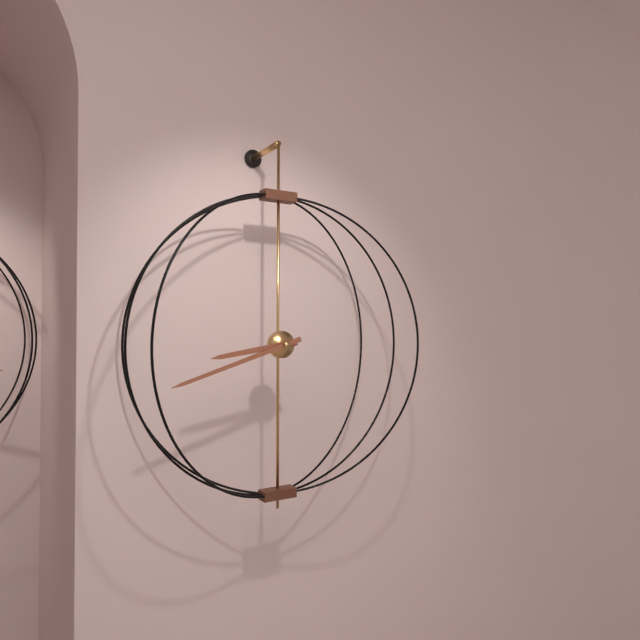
8:42
